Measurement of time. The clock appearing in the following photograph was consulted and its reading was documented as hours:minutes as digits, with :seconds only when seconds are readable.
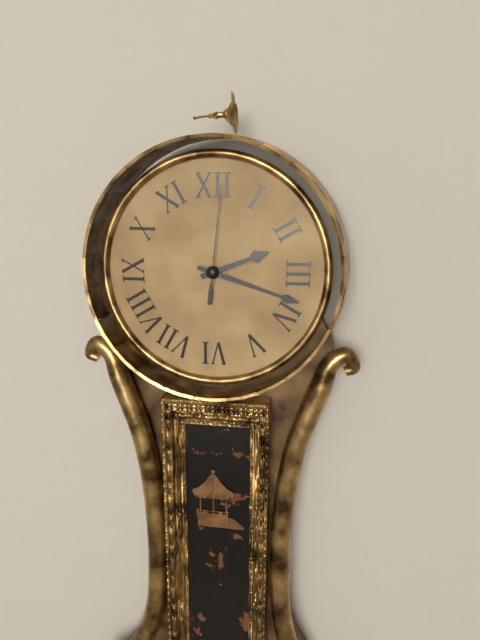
2:18:01
